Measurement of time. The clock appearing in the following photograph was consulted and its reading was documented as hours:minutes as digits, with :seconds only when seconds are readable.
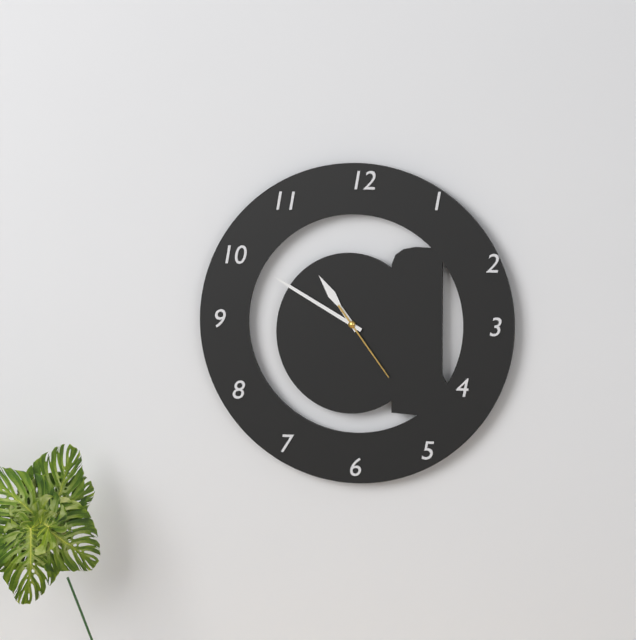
10:50:24
